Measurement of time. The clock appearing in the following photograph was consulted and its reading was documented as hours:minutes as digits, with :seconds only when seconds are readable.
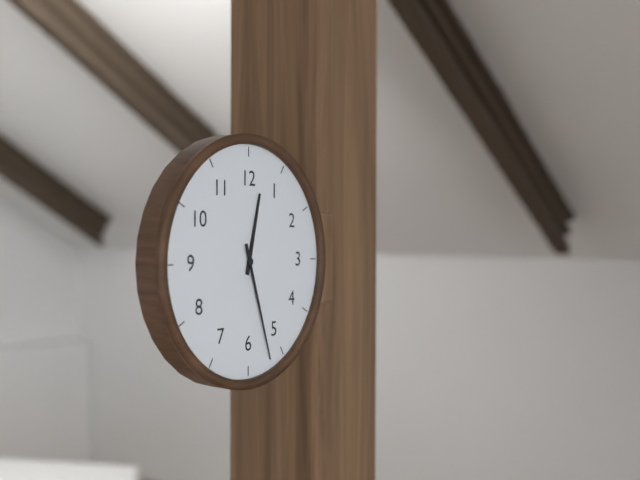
12:27
